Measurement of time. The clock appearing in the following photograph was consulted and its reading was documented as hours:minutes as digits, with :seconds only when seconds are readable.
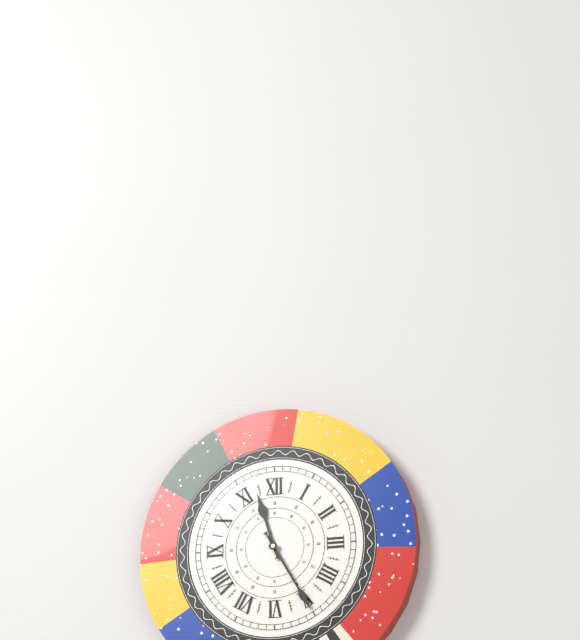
11:25
